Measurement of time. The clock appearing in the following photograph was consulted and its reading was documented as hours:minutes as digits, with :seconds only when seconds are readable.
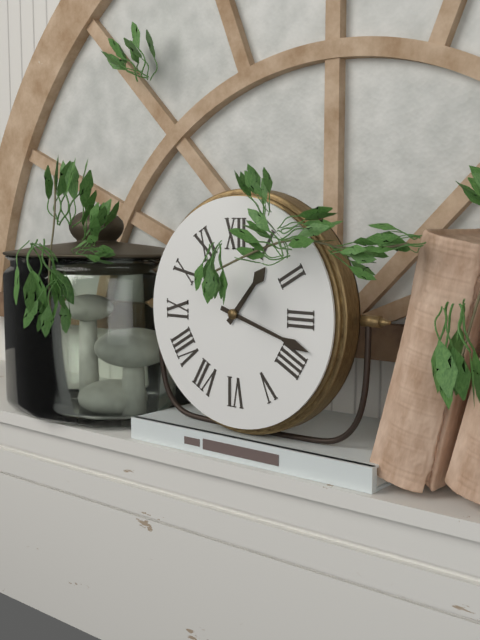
1:18
